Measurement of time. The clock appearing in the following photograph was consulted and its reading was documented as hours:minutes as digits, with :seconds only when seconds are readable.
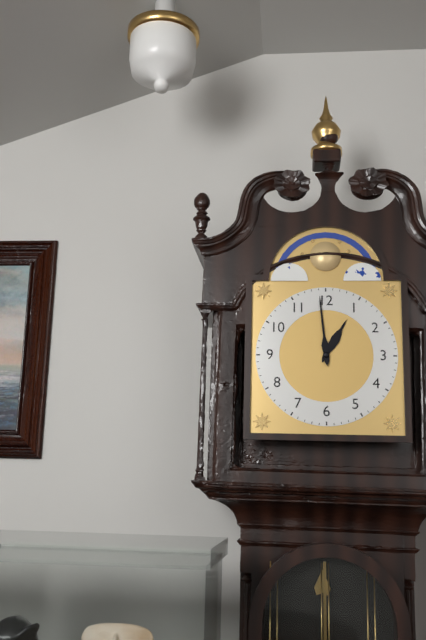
12:59
